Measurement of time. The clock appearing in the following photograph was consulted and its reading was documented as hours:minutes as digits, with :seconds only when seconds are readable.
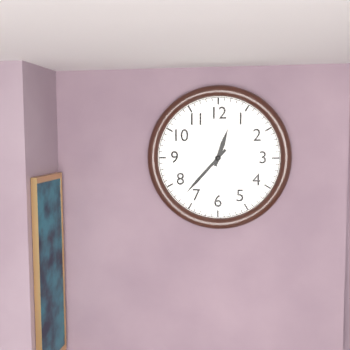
12:37
